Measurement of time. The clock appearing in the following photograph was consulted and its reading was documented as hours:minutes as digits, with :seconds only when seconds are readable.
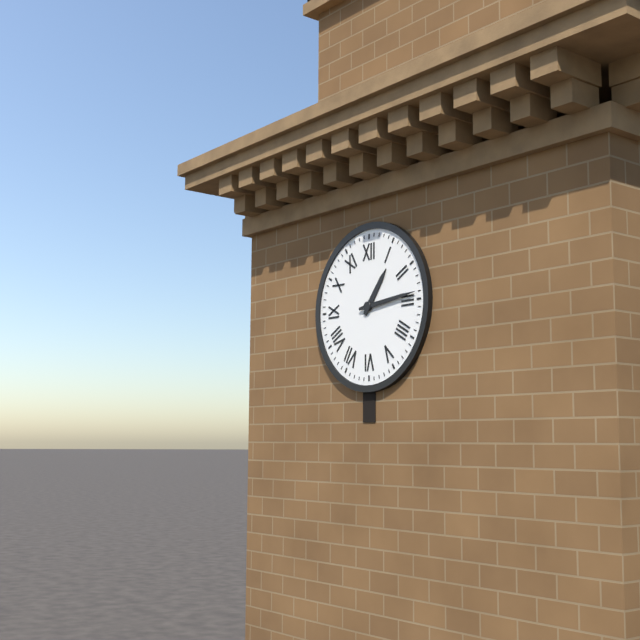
1:14
